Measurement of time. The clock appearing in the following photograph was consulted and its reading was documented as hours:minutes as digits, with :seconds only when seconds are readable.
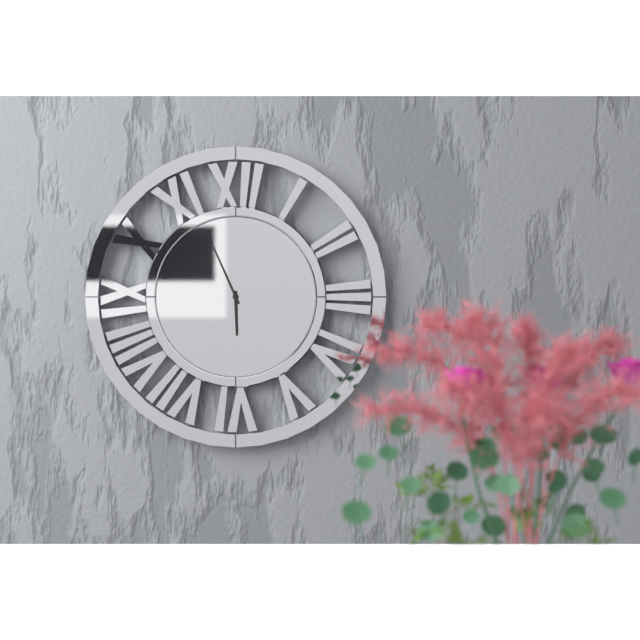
5:56
